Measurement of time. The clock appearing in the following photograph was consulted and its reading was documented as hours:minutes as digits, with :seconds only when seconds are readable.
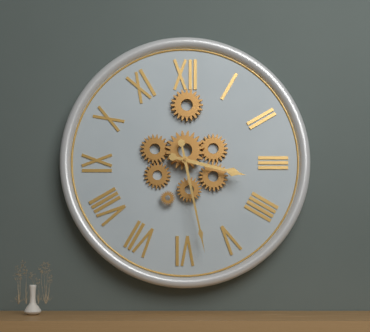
3:28
